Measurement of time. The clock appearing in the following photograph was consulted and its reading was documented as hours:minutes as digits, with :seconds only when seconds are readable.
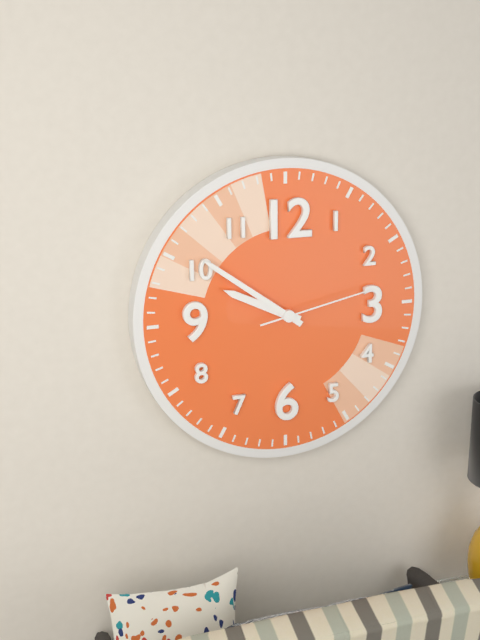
9:51:13
